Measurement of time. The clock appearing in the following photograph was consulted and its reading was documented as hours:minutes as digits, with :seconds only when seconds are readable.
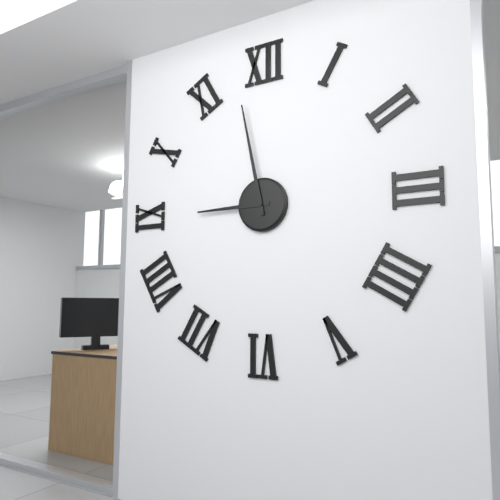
8:58
